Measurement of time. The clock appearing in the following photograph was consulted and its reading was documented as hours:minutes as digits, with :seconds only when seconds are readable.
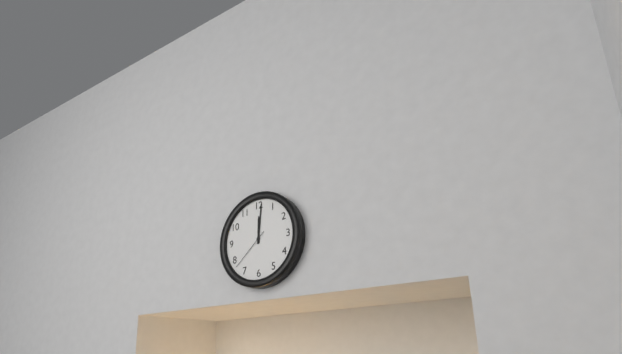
12:01
